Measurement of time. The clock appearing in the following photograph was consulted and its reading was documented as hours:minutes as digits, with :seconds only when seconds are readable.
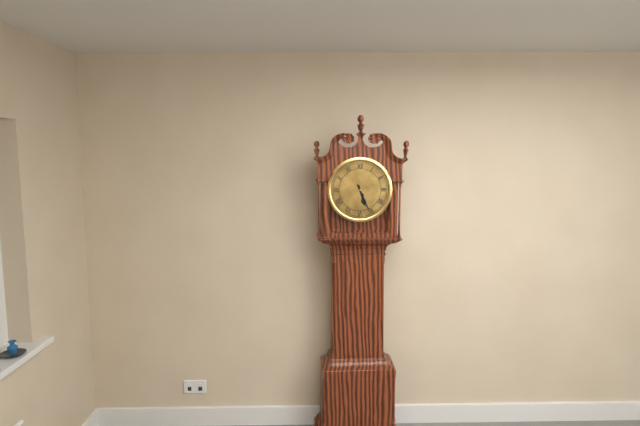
5:26
